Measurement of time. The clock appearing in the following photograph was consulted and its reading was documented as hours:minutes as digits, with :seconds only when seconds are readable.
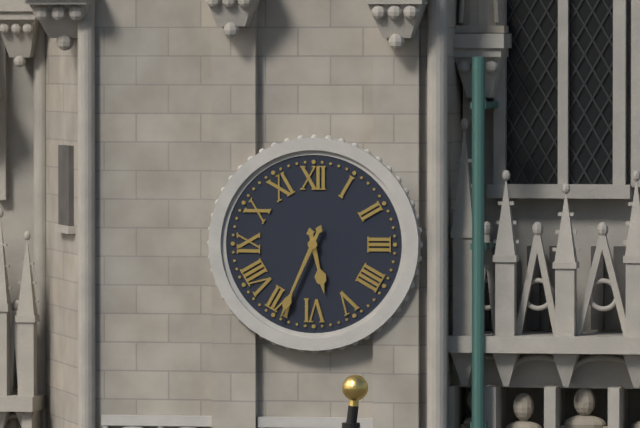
5:34
